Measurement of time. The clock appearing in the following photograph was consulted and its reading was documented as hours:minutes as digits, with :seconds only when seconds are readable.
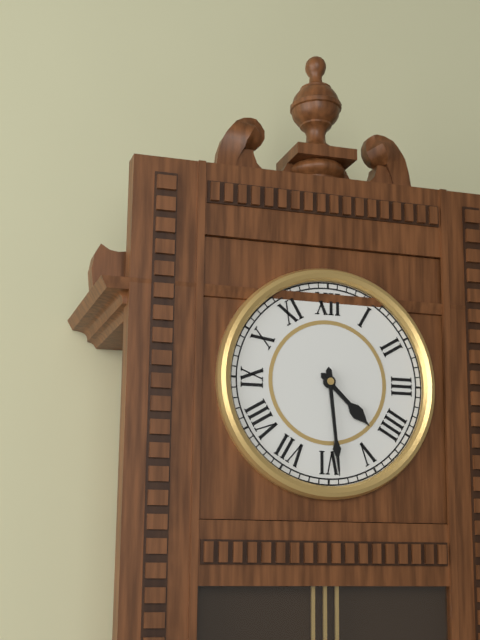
4:29
